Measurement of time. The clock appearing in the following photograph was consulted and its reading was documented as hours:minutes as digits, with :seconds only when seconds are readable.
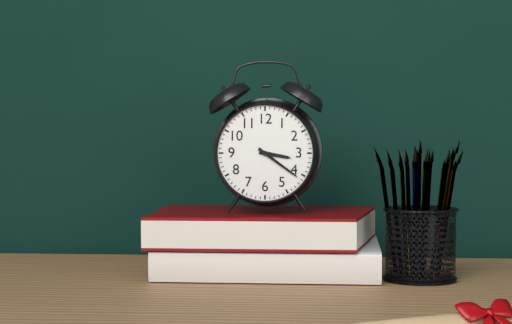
3:21
